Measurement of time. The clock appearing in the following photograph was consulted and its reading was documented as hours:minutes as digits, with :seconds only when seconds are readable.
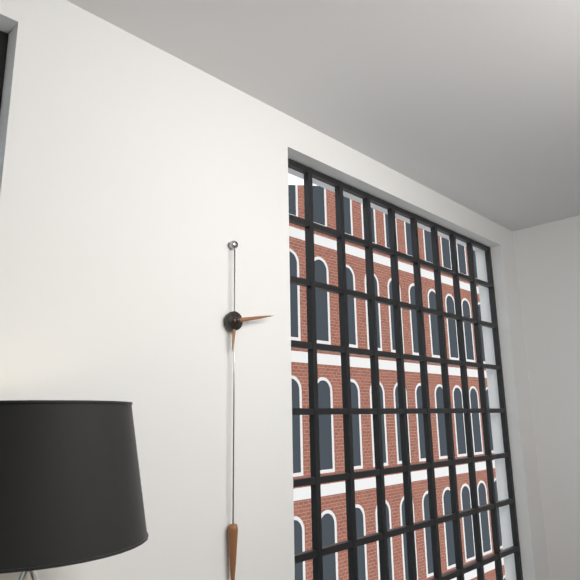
6:13
